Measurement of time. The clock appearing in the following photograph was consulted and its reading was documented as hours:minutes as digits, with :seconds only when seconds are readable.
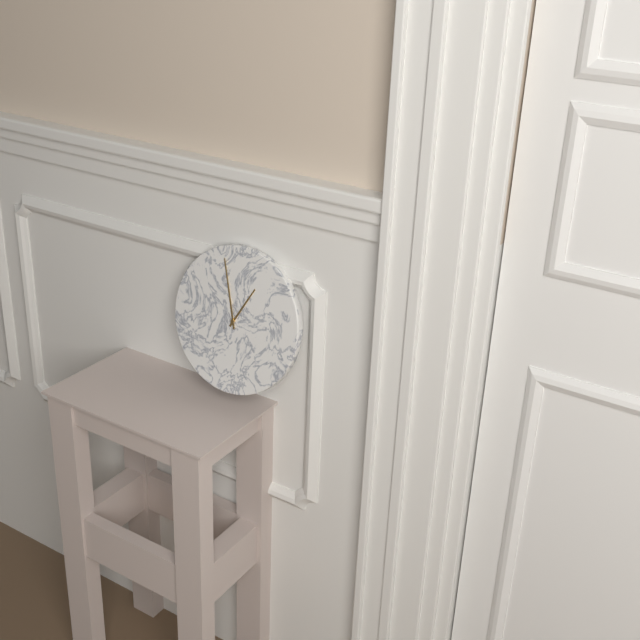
12:57
